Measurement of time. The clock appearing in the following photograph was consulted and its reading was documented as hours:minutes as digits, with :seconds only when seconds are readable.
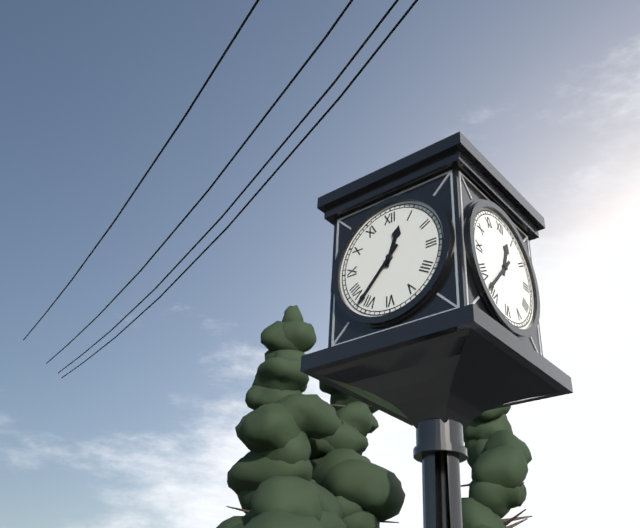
12:37
